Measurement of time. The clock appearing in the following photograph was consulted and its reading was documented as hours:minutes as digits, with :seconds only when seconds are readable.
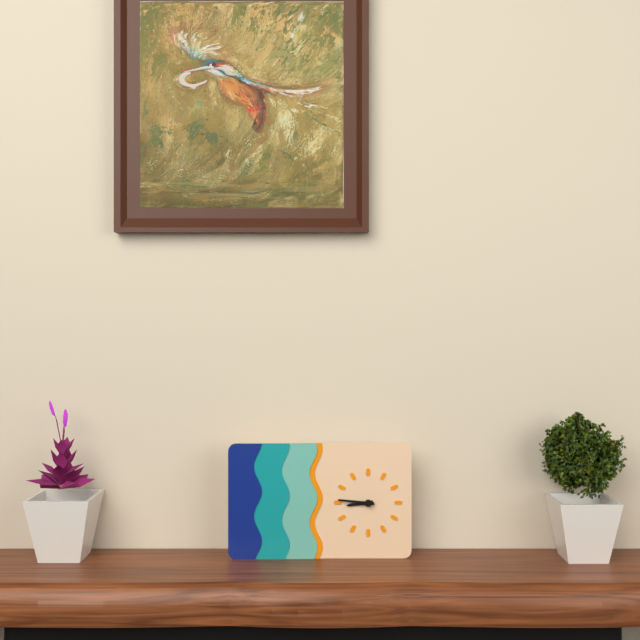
8:46
